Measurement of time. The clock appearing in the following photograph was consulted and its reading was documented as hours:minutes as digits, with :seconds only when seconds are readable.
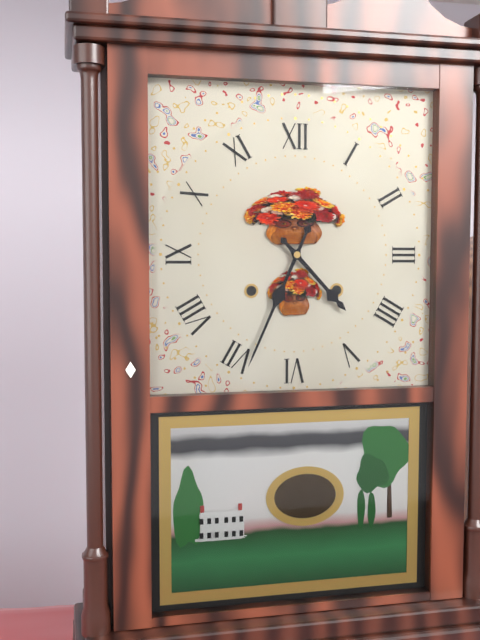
4:34
